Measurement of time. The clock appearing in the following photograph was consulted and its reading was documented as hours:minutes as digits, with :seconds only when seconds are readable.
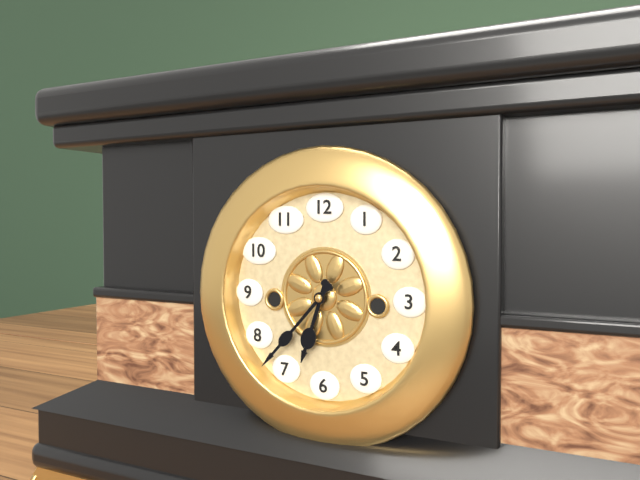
6:37
